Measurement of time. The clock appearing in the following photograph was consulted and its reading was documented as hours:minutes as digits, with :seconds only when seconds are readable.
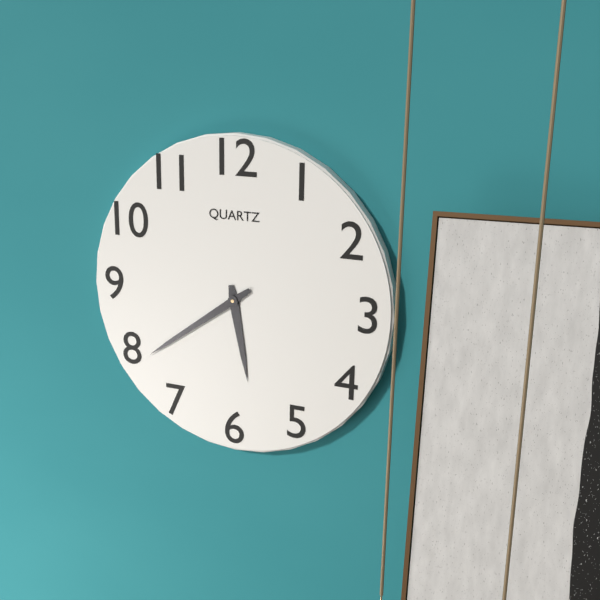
5:39
